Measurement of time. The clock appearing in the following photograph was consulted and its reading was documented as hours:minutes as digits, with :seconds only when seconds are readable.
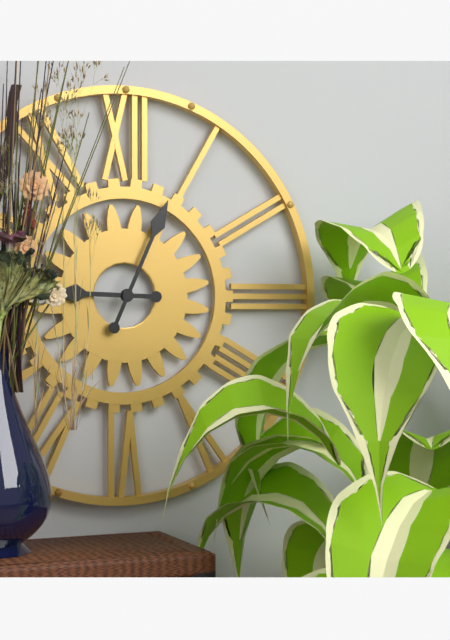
9:04
